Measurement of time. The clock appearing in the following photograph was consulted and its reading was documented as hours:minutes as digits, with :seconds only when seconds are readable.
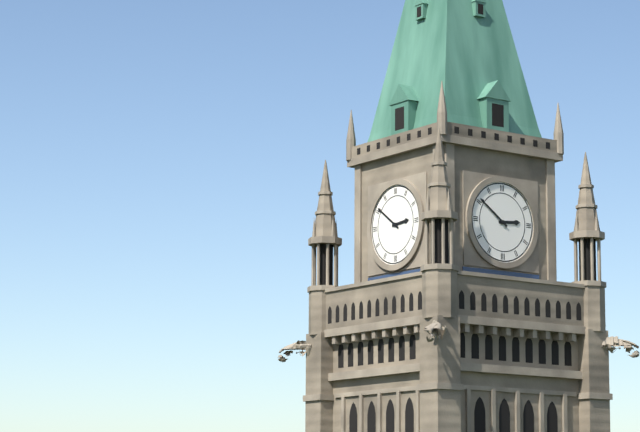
2:51
